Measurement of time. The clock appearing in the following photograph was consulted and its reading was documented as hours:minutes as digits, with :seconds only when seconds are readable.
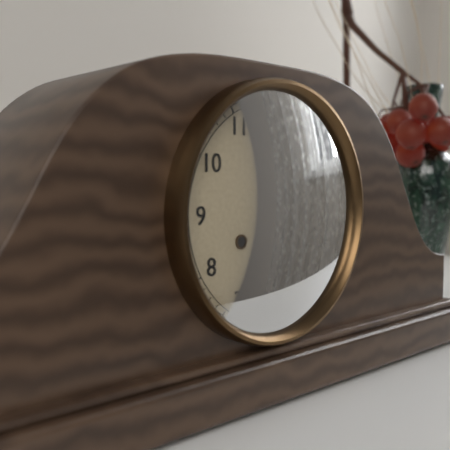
2:09
